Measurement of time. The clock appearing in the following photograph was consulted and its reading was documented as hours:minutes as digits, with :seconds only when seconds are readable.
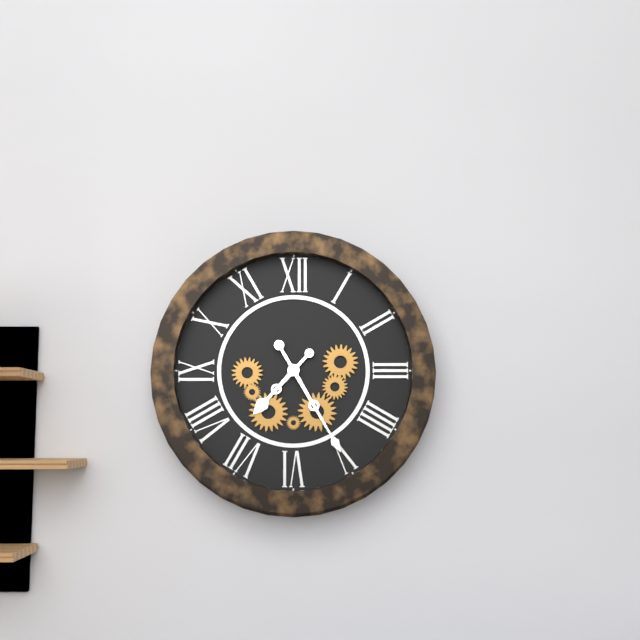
7:25
